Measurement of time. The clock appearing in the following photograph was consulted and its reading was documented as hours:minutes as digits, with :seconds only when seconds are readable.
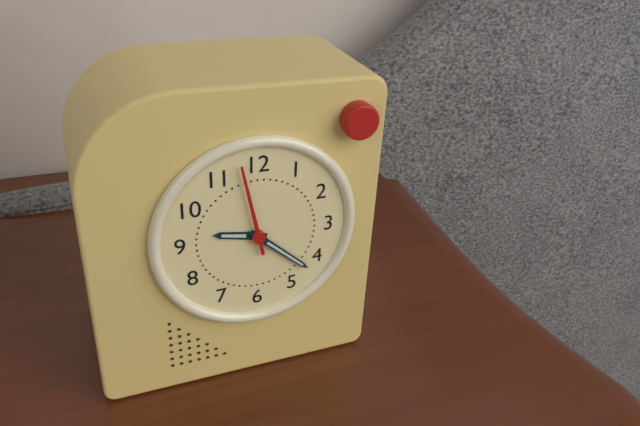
9:22:58
